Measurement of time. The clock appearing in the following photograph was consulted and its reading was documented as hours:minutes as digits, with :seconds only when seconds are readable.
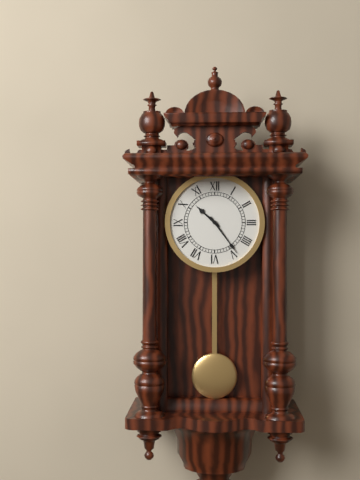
10:24
